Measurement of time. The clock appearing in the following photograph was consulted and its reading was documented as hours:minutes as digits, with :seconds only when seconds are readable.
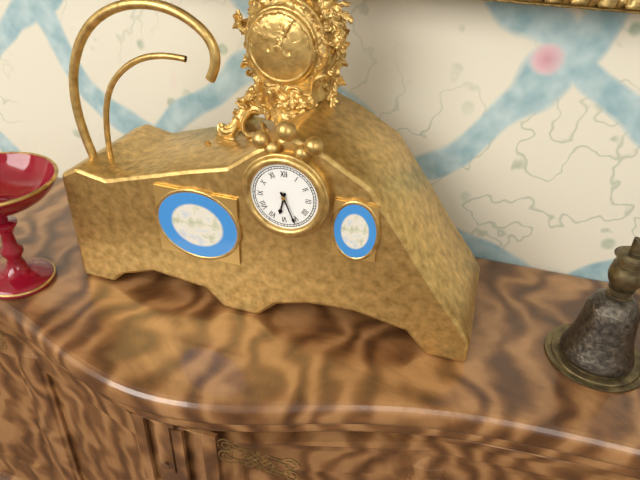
6:26
